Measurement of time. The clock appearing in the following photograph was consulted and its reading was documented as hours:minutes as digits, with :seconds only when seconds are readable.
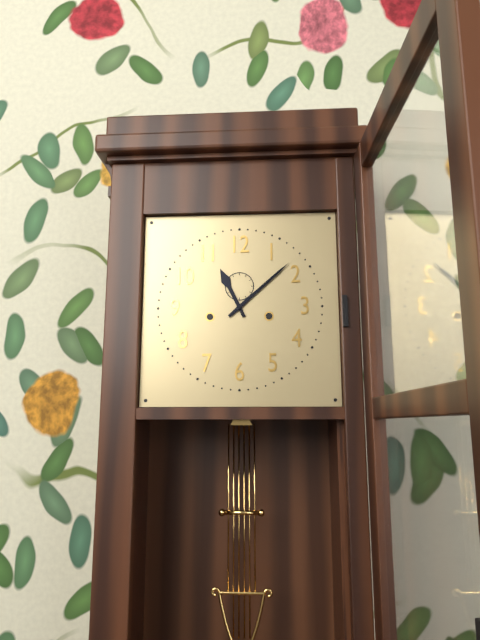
11:08
